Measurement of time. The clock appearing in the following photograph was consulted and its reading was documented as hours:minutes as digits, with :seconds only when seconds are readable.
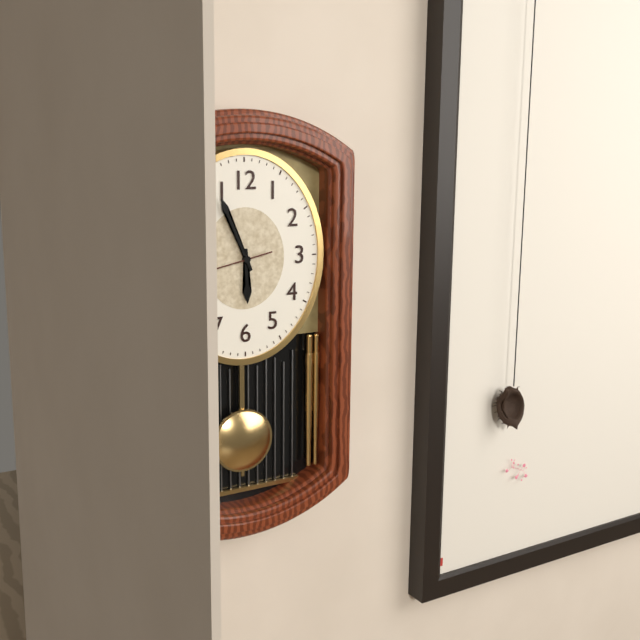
5:56
